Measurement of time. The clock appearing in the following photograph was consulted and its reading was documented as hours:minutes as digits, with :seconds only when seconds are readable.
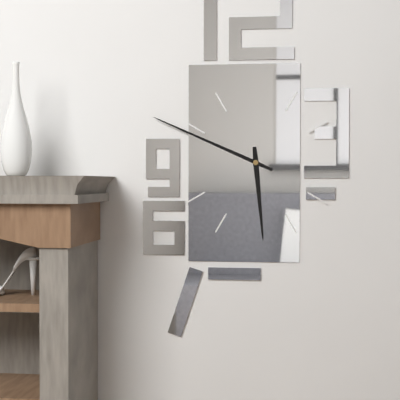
5:49
